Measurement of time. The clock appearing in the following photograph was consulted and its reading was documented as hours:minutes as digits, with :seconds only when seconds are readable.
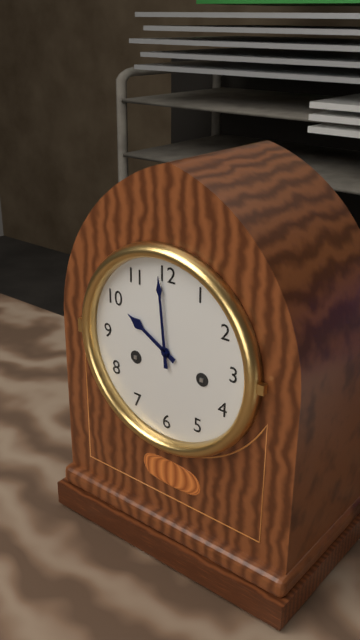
9:59
